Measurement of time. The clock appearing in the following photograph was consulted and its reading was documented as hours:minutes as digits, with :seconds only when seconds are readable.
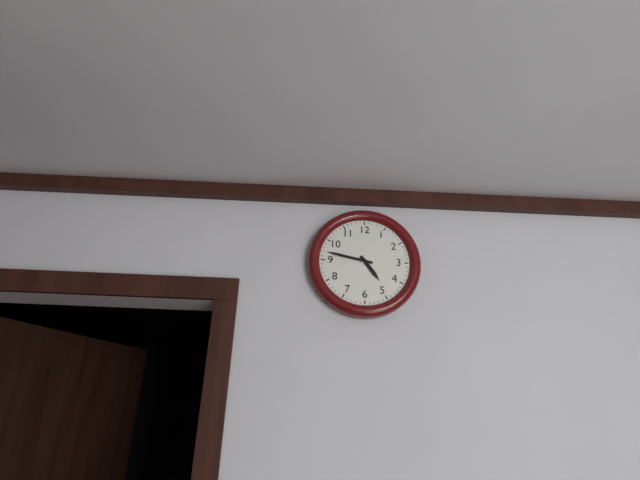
4:47
